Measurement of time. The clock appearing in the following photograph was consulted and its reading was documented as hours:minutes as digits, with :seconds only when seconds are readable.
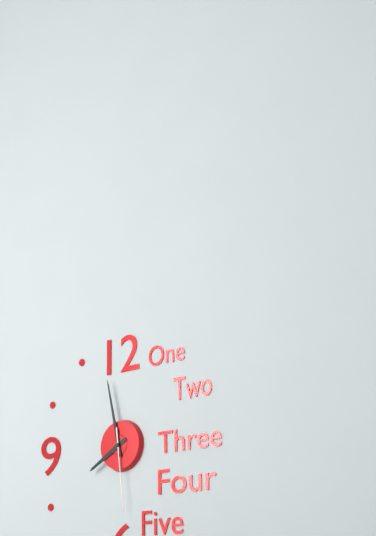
7:58:29
